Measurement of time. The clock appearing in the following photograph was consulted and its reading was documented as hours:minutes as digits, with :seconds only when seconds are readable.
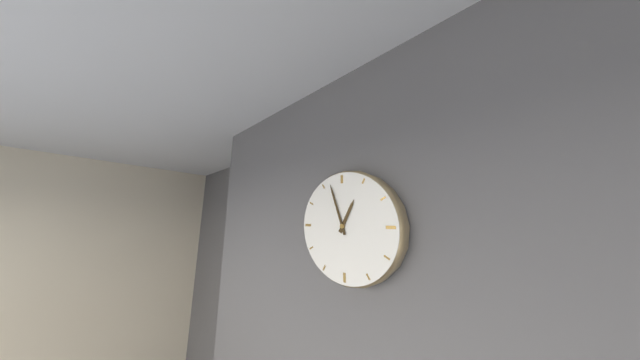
12:57
